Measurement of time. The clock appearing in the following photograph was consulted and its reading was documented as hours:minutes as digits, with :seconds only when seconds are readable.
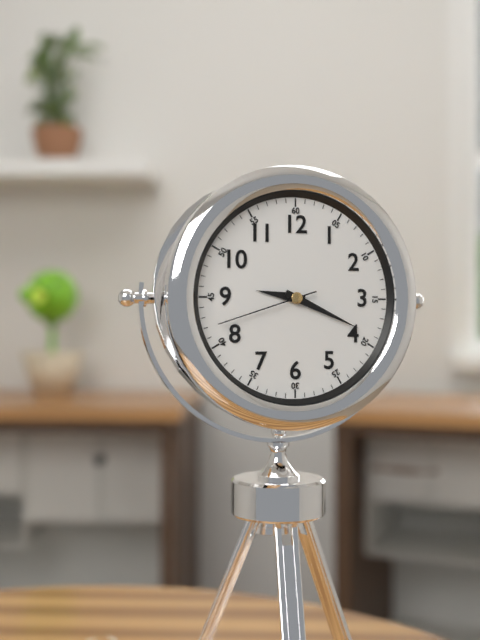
9:19:42
